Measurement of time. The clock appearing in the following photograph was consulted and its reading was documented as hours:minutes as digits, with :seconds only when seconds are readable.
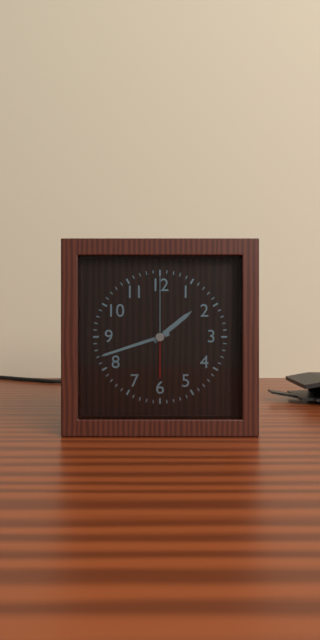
1:42:00
